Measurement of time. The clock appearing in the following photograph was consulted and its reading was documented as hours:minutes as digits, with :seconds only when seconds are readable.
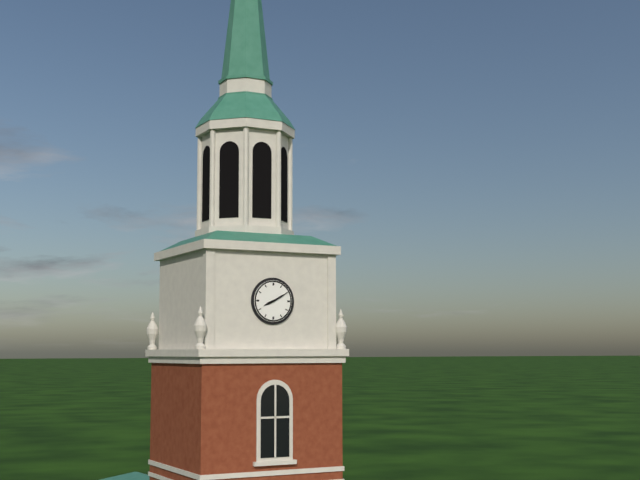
8:10
